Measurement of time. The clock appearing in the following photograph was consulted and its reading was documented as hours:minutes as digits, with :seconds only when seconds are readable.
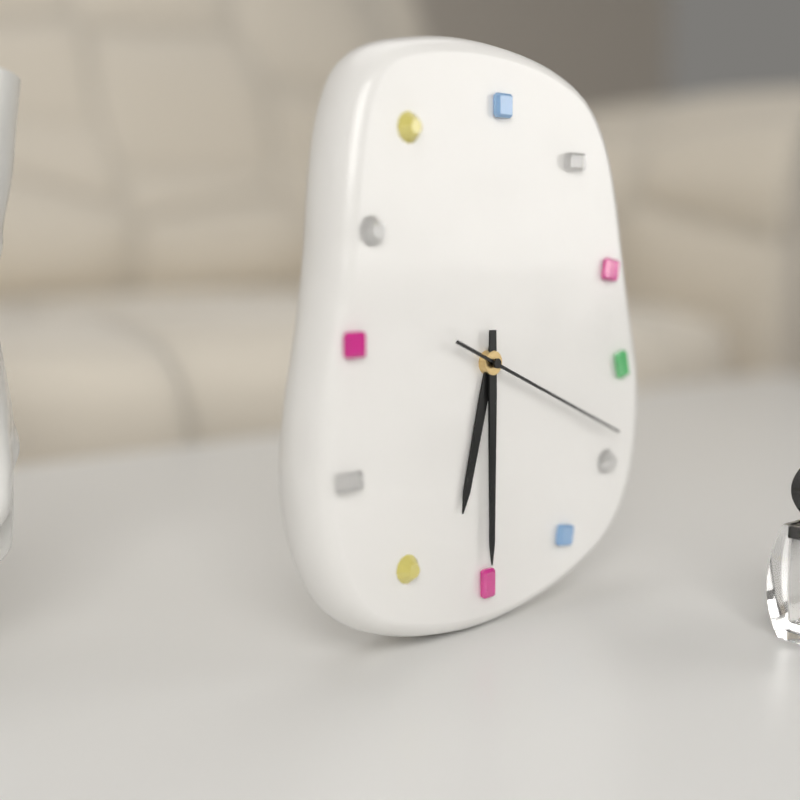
6:30:19
